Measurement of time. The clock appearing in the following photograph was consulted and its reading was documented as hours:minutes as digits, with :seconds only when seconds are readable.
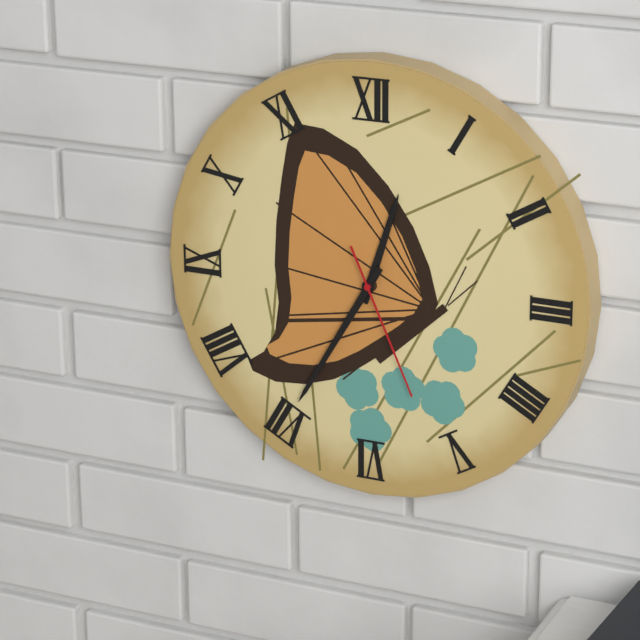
12:35:26
